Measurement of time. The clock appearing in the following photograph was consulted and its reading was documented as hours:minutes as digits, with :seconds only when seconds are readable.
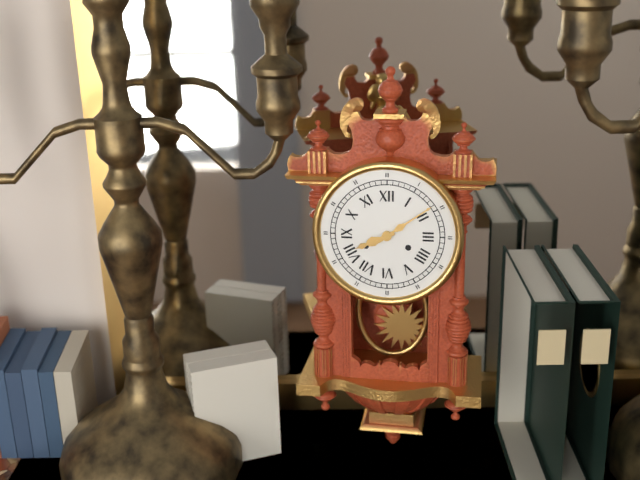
8:09
